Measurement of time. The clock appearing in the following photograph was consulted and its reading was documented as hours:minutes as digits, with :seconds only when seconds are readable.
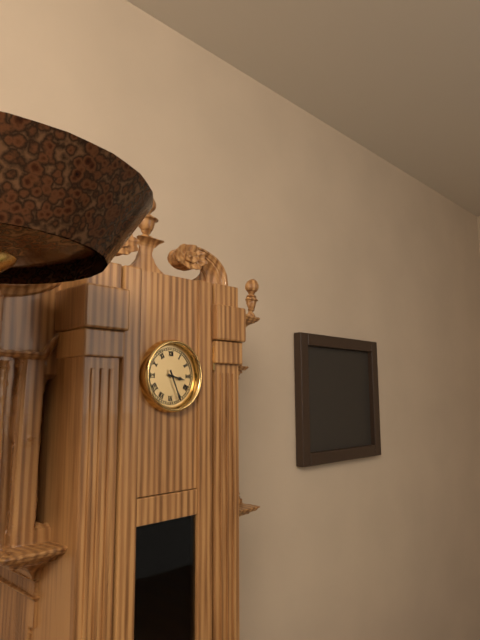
3:26
